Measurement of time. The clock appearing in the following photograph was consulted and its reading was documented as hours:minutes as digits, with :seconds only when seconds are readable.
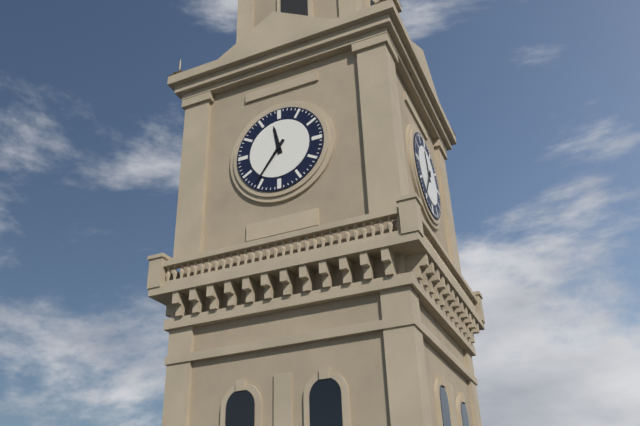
11:36
